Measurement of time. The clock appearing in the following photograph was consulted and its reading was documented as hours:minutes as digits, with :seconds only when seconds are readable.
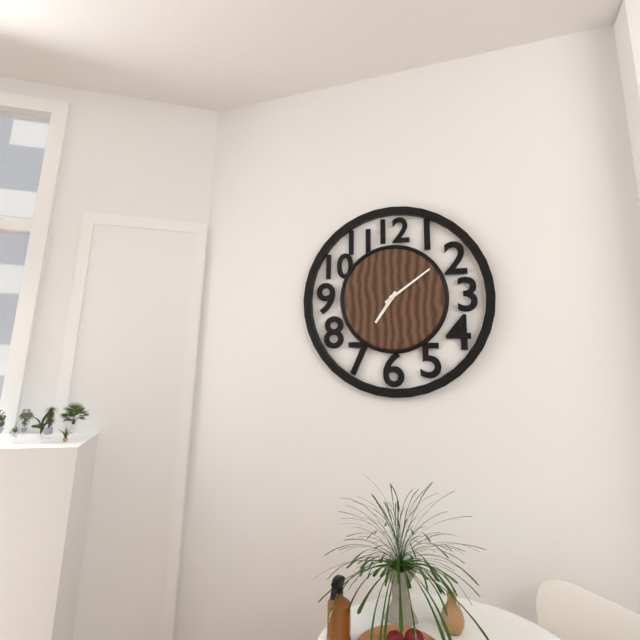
7:09
